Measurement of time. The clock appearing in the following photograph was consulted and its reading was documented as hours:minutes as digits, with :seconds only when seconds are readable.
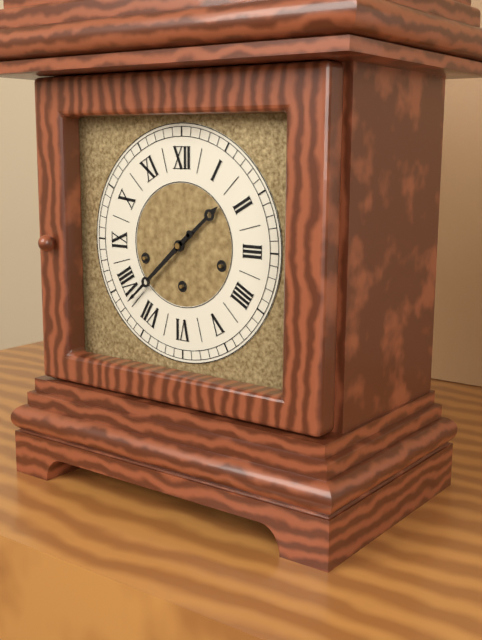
1:38
